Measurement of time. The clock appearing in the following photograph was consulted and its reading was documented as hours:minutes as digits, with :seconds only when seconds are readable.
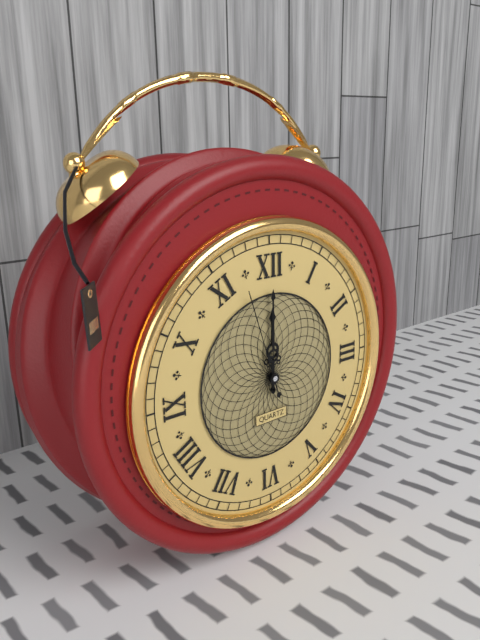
12:00:57
